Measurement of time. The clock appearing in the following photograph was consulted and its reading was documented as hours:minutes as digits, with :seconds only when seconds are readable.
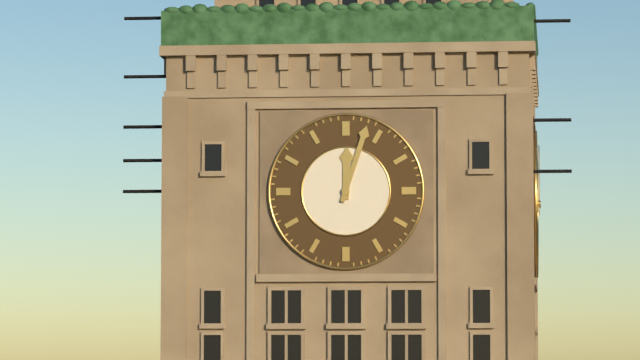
12:03
